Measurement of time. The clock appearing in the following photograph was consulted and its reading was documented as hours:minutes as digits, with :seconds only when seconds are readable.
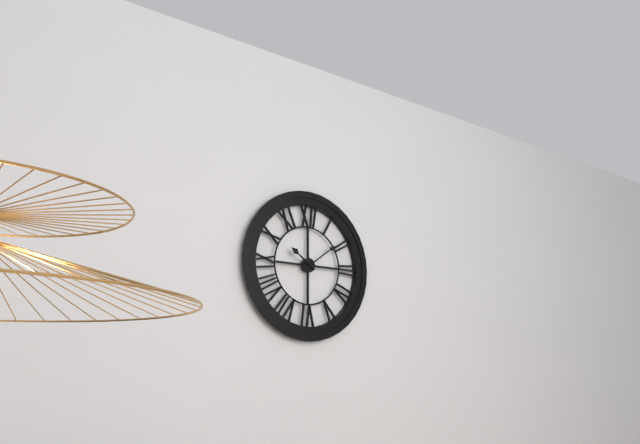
10:09
